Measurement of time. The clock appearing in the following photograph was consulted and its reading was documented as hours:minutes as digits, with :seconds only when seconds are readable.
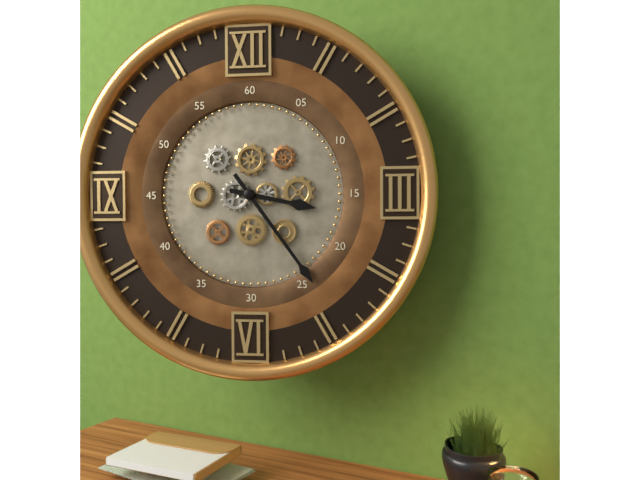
3:24
